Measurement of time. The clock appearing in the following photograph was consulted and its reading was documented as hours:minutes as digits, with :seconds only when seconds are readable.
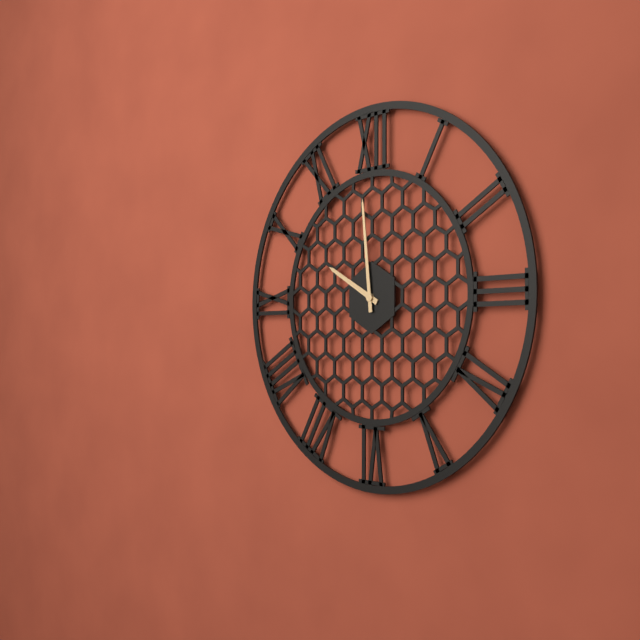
9:59
